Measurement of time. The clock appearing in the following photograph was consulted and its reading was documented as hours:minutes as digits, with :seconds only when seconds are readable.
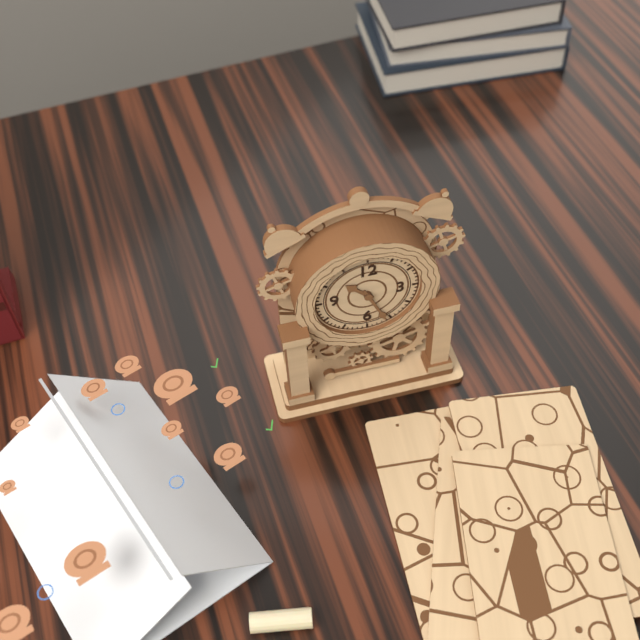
10:26
